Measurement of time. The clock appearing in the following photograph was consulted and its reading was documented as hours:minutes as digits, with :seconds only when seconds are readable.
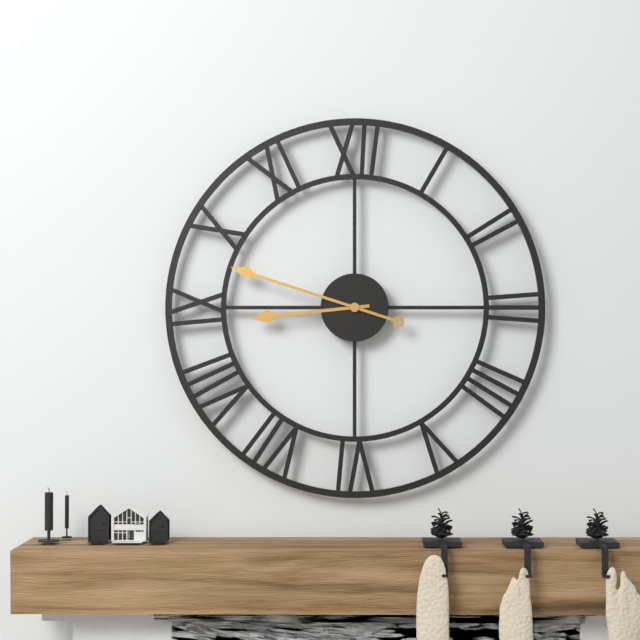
8:48
